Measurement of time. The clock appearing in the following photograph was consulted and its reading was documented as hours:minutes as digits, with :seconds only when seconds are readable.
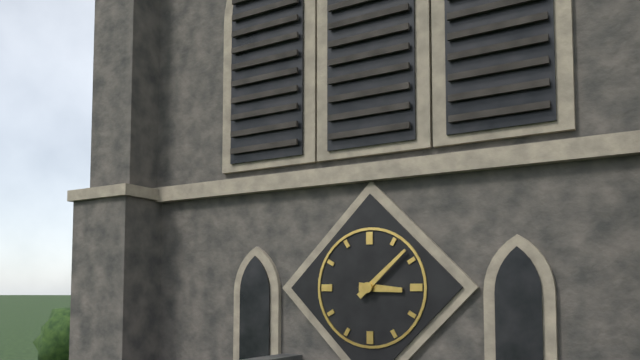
3:08
